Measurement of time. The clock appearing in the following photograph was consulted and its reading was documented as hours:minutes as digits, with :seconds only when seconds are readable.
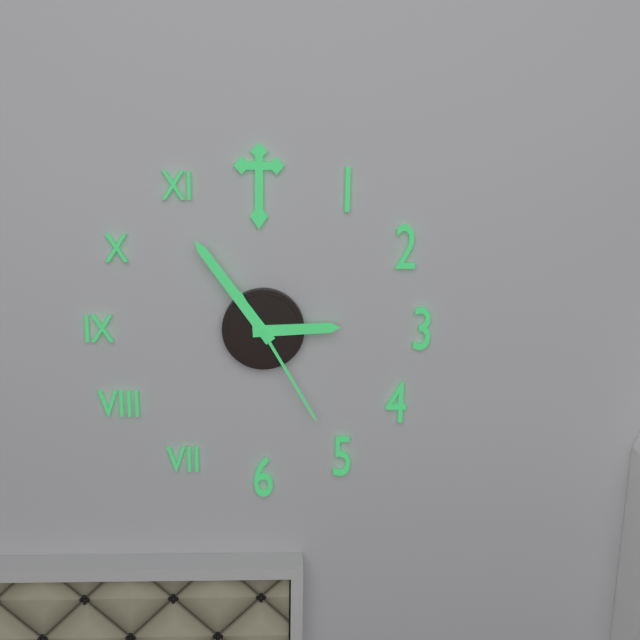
2:54:25
